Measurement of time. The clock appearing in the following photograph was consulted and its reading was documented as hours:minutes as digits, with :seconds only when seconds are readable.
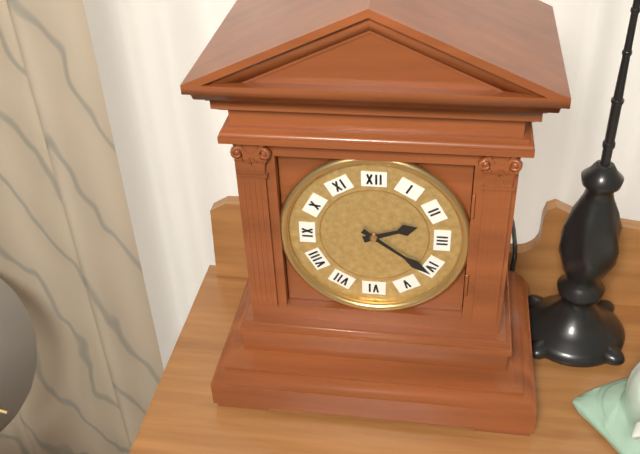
2:21
